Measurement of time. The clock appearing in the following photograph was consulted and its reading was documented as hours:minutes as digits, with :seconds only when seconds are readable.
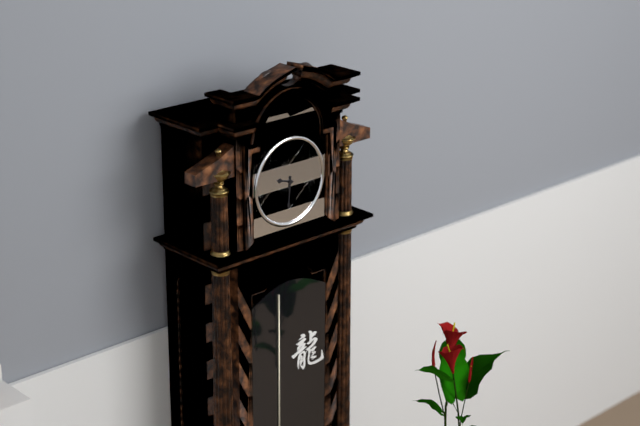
9:31
